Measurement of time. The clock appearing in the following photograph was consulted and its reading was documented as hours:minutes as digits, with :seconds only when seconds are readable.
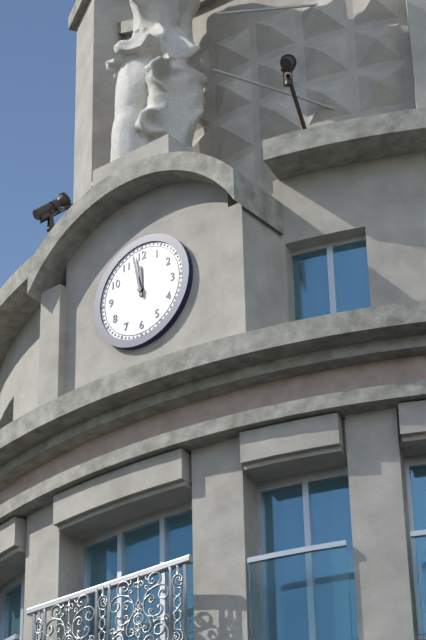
11:58
